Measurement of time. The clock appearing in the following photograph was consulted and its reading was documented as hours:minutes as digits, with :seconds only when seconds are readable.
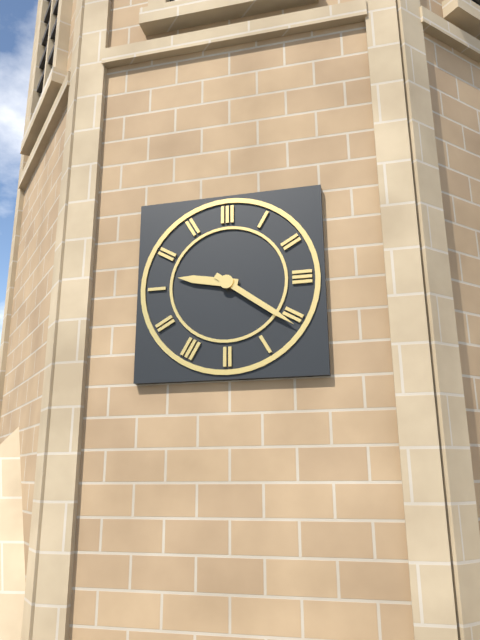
9:21
